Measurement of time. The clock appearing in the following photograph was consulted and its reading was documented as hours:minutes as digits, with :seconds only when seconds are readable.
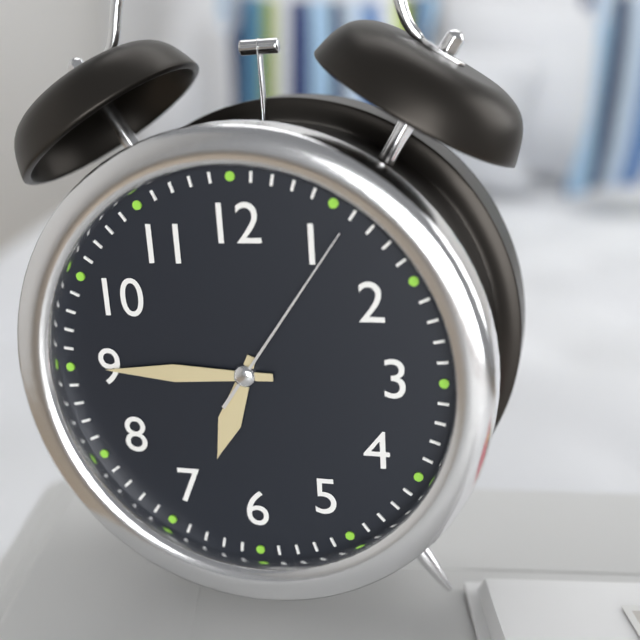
6:45:06
